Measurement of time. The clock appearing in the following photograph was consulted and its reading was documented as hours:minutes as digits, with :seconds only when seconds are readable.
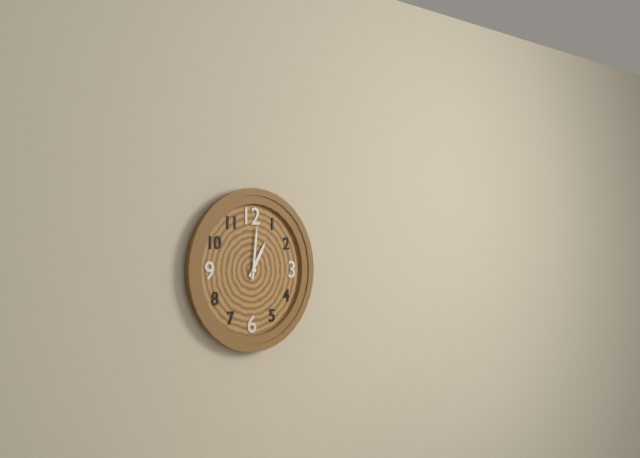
1:01
